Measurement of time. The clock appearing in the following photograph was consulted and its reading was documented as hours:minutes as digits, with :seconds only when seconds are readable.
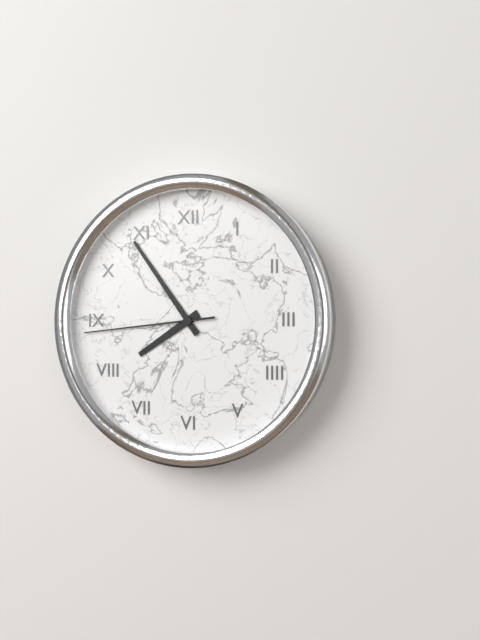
7:54:44
